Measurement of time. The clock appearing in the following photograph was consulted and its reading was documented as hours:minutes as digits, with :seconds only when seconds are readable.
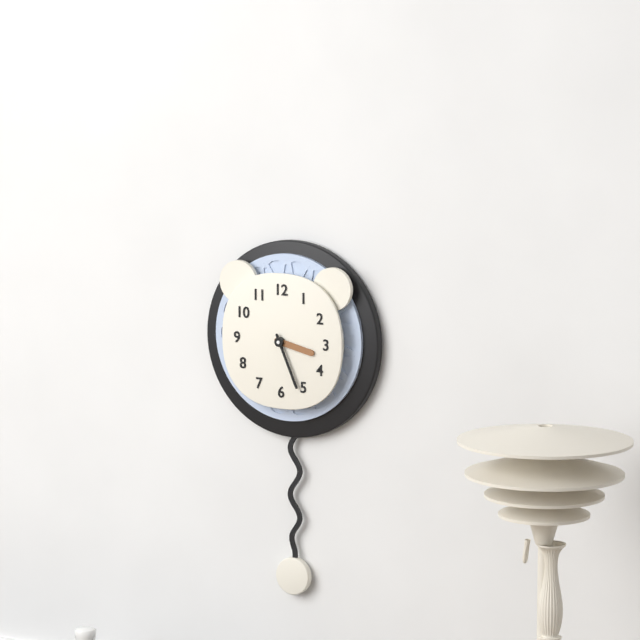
3:26
